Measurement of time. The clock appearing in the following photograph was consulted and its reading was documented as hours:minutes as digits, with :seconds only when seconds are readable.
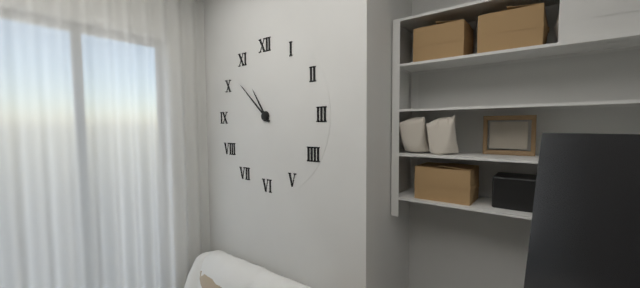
10:52
